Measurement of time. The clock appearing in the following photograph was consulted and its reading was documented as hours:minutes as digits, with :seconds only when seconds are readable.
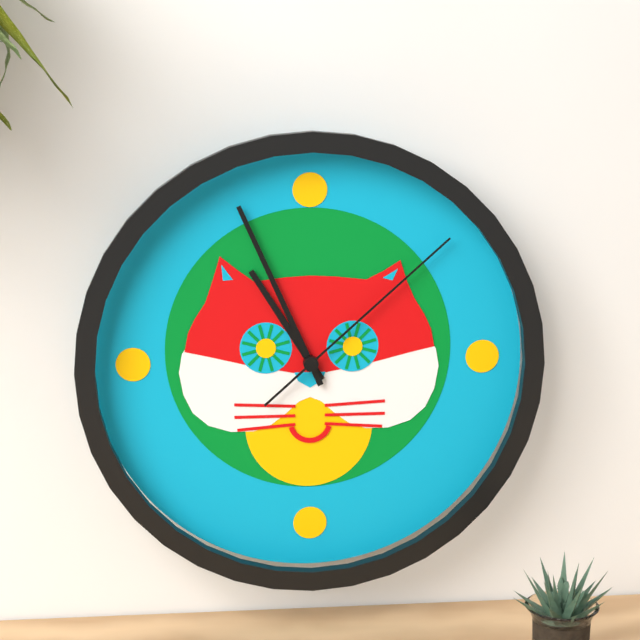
10:56:08
